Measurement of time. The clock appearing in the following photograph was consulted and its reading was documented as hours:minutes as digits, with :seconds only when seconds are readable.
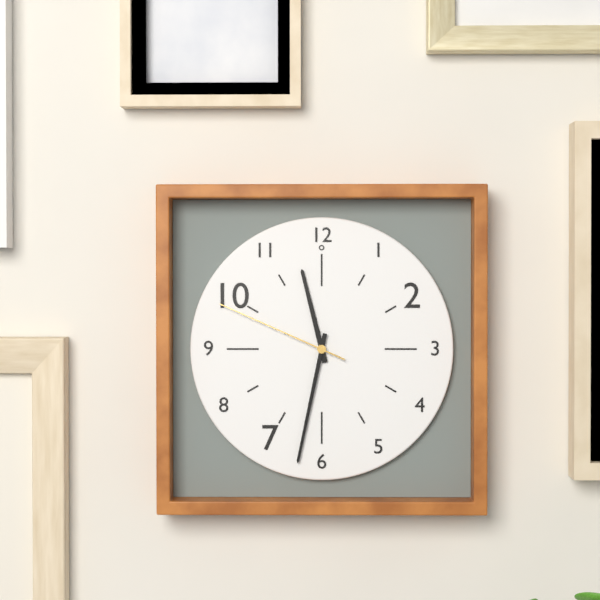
11:32:49
